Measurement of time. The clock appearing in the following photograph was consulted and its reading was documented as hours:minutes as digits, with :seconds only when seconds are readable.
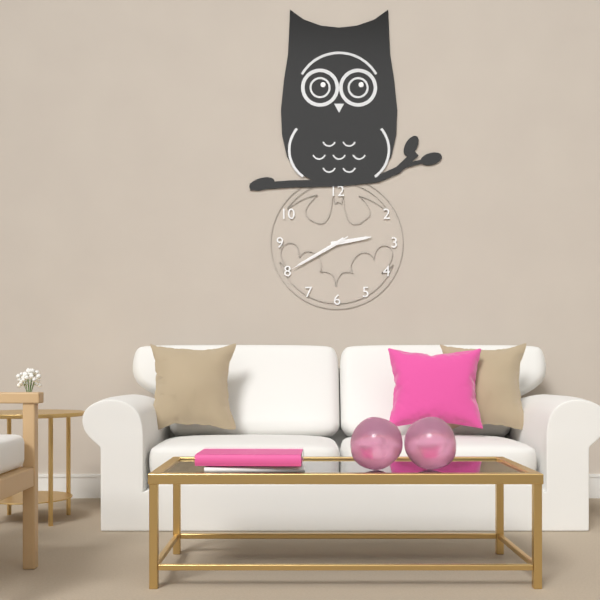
2:40:40
